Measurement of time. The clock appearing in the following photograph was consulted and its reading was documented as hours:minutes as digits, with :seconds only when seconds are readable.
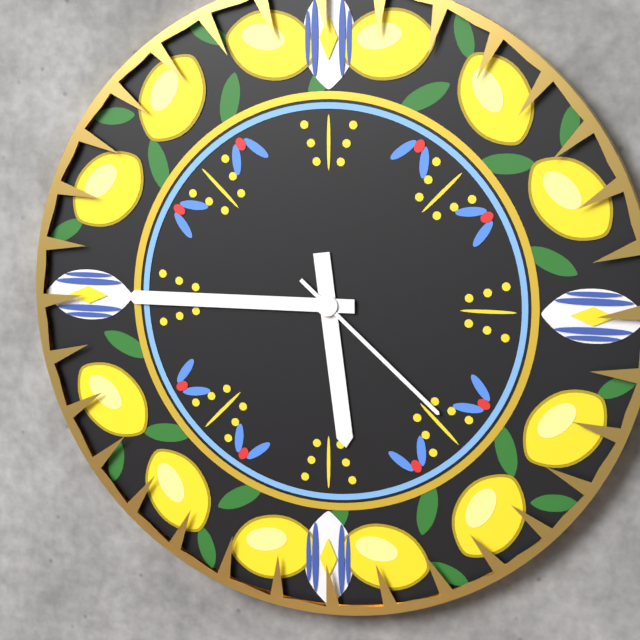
5:45:22
